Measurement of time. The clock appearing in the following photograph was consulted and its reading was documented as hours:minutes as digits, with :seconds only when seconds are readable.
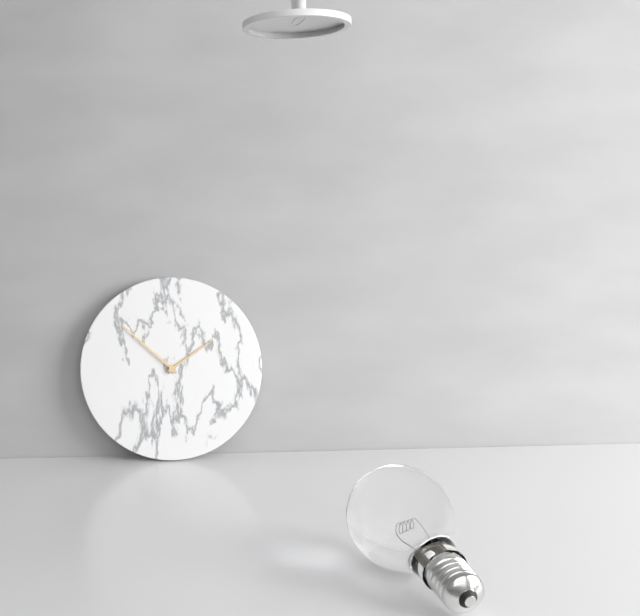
1:52
